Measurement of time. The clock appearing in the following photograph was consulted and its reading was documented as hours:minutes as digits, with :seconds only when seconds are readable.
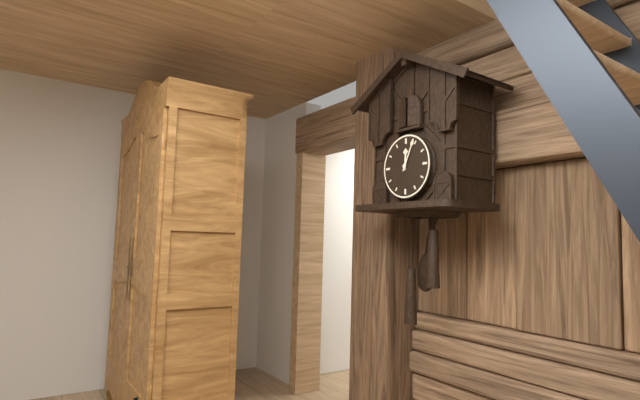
12:04
